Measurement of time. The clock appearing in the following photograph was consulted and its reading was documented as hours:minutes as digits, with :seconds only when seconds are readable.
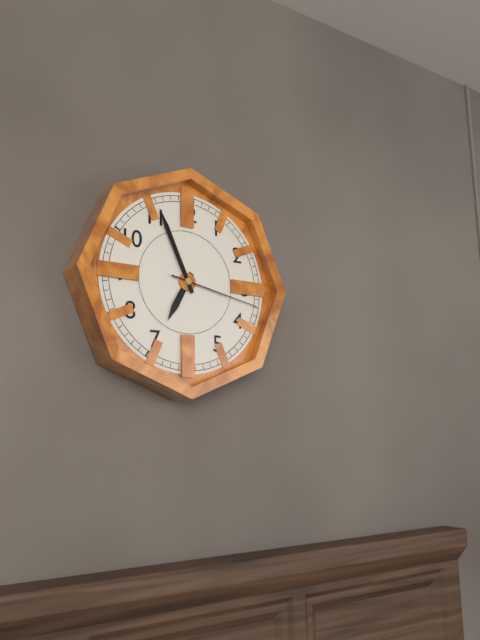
6:56:17
